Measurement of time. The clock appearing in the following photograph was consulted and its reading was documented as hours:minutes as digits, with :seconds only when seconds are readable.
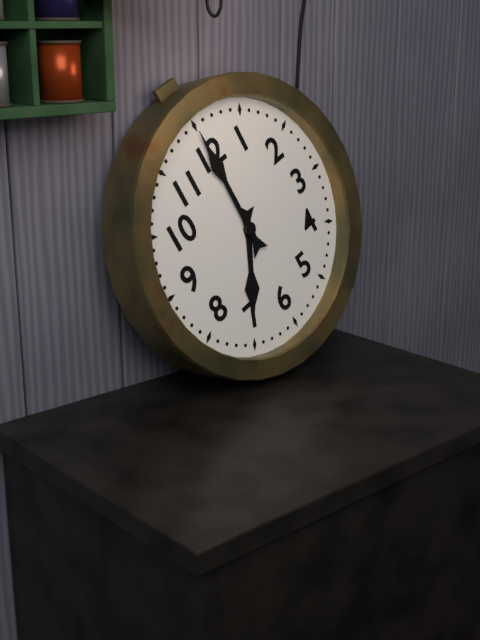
7:00
